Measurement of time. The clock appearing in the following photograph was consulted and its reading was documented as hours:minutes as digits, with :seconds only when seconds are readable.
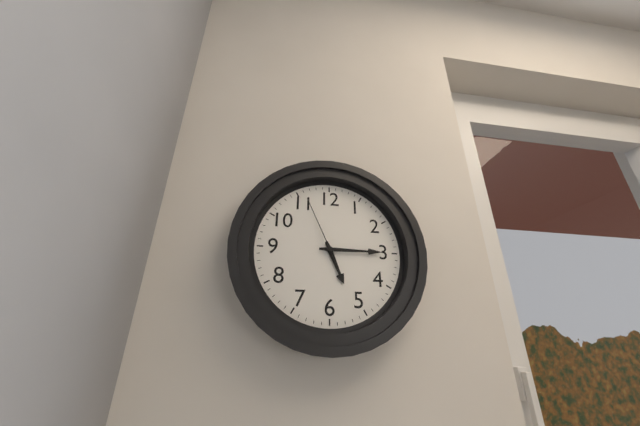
5:15:56
